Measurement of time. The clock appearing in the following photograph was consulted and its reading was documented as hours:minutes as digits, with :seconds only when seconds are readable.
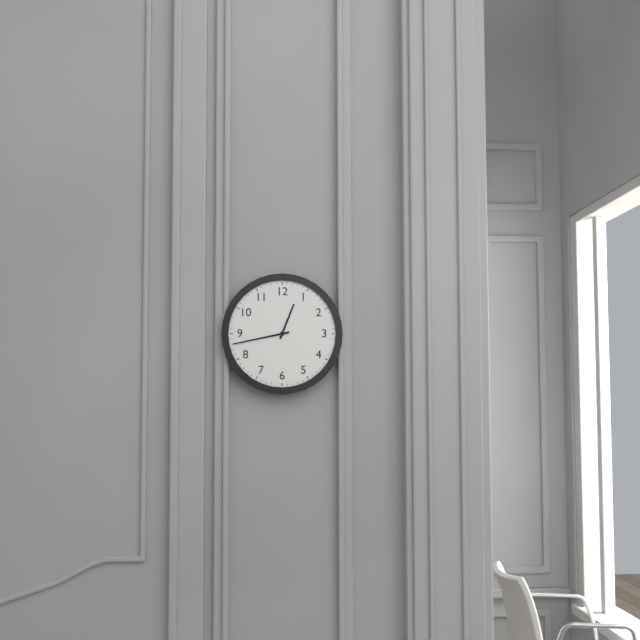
12:43
